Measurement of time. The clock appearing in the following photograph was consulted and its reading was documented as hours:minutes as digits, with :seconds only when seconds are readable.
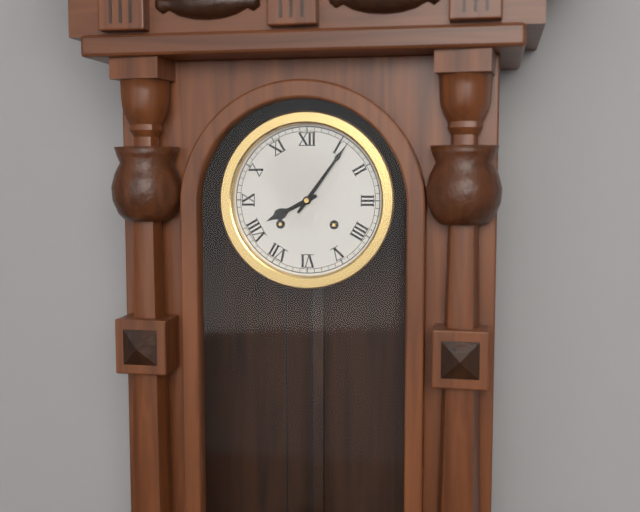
8:06
